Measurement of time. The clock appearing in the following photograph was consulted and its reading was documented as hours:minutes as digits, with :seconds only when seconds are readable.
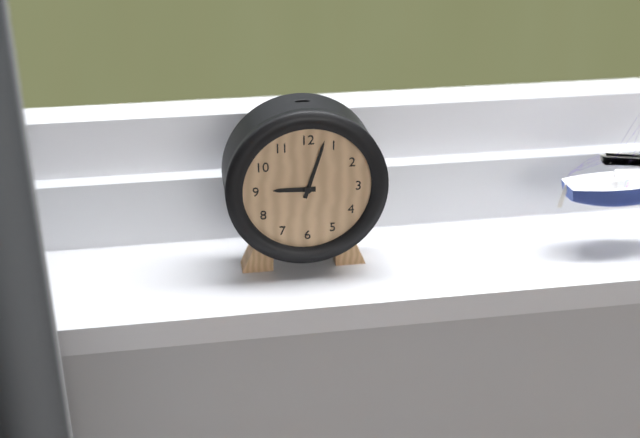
9:03
